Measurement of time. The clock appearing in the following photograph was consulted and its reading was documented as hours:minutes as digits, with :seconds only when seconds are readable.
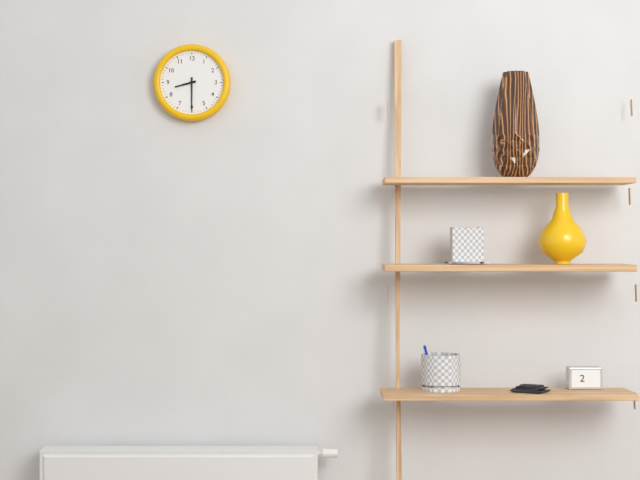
8:30
